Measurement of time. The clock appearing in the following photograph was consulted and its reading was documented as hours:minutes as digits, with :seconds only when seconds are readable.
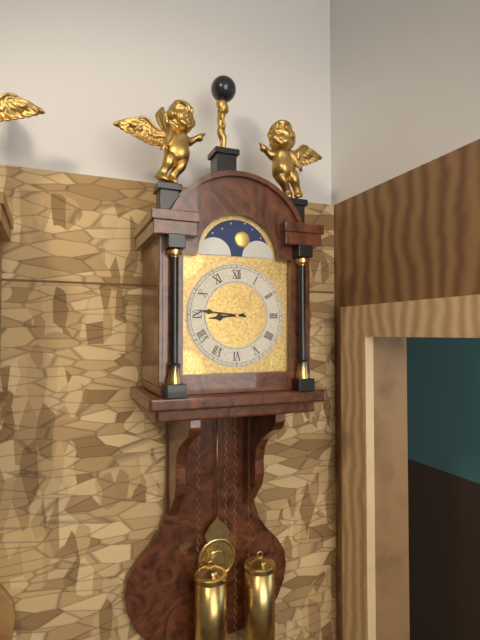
8:46
